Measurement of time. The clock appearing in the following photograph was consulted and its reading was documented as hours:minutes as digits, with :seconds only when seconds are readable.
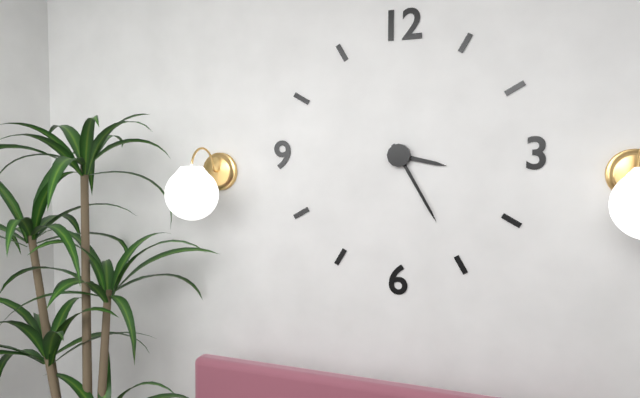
3:25
